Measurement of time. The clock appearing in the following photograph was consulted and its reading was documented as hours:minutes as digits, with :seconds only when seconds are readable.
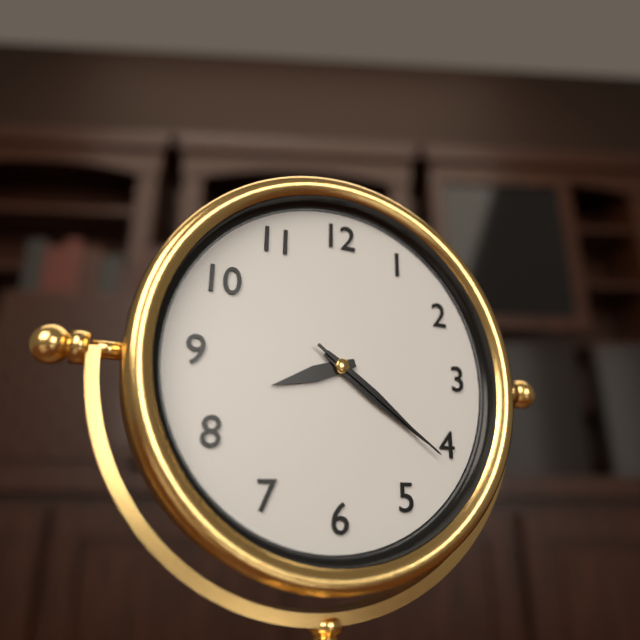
8:21:21
